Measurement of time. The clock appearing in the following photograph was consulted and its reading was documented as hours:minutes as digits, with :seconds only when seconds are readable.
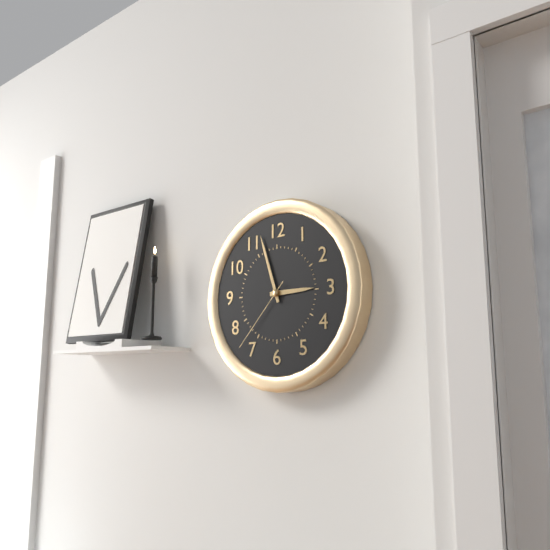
2:57:37
